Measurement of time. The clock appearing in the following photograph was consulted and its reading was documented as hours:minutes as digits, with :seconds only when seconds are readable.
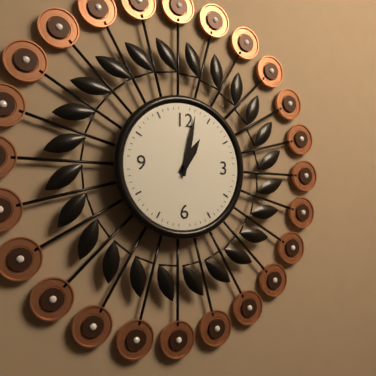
1:02
